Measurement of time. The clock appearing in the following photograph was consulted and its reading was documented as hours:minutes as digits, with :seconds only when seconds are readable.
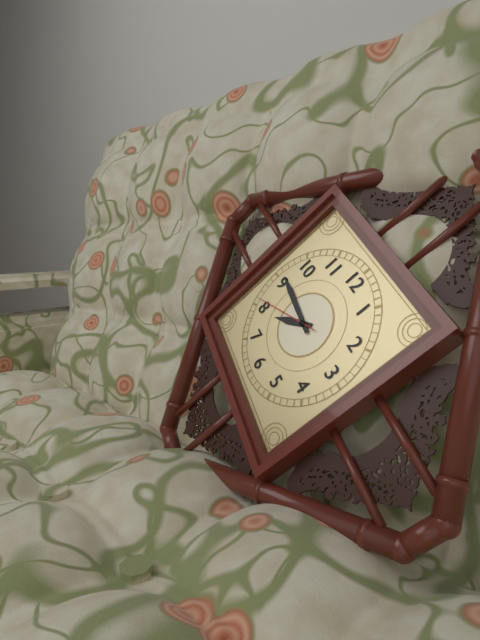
7:46:41
